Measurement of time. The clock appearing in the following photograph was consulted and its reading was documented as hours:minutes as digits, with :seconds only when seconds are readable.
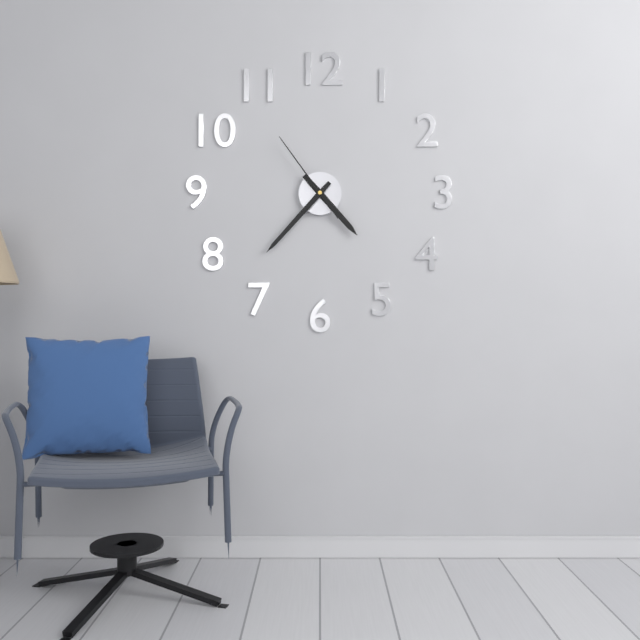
4:37:54
